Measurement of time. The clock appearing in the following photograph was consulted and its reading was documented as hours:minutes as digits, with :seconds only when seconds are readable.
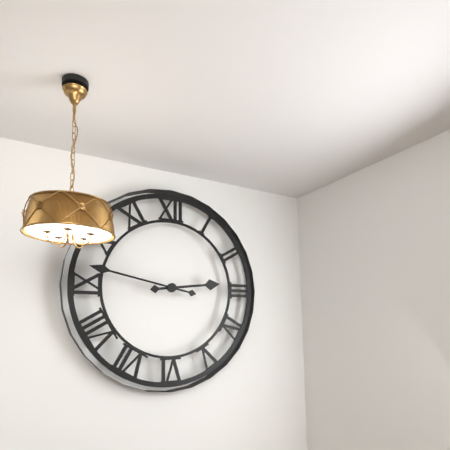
2:47
